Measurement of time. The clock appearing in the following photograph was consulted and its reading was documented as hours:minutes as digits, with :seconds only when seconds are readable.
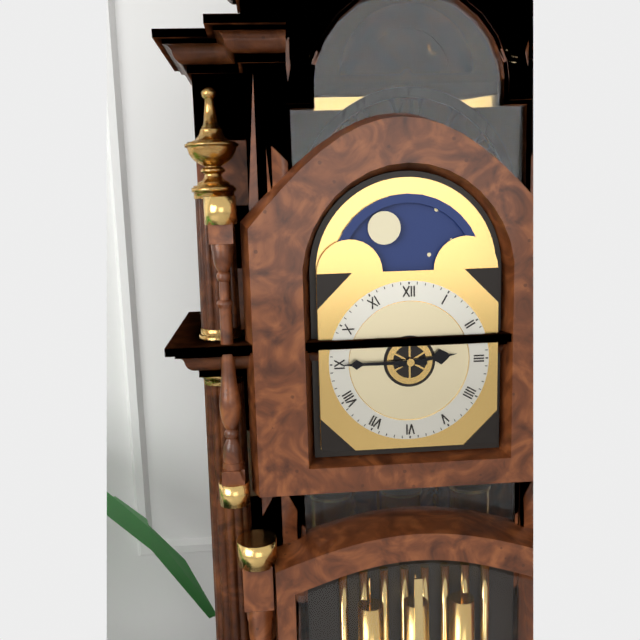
2:45
